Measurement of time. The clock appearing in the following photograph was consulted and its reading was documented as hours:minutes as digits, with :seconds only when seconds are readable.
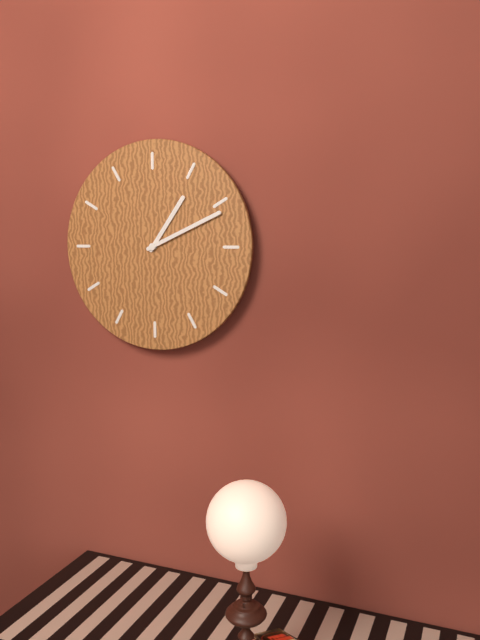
1:11
